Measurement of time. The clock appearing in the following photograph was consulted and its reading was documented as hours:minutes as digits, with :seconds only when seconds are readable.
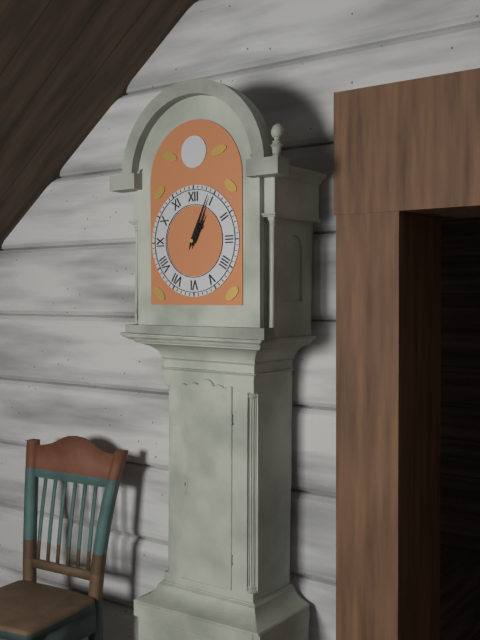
1:04
